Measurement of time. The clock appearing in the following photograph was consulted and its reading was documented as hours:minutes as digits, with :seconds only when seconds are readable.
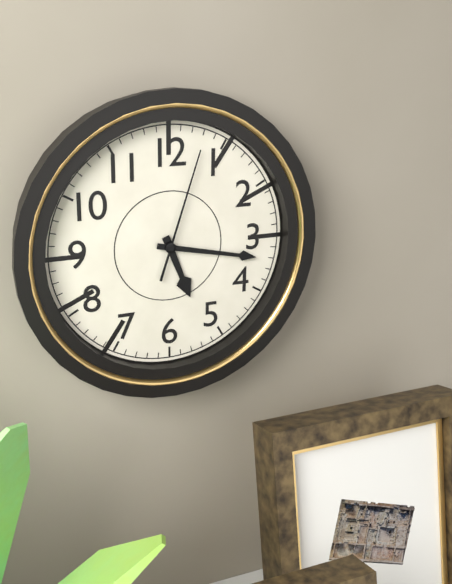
5:17:03
